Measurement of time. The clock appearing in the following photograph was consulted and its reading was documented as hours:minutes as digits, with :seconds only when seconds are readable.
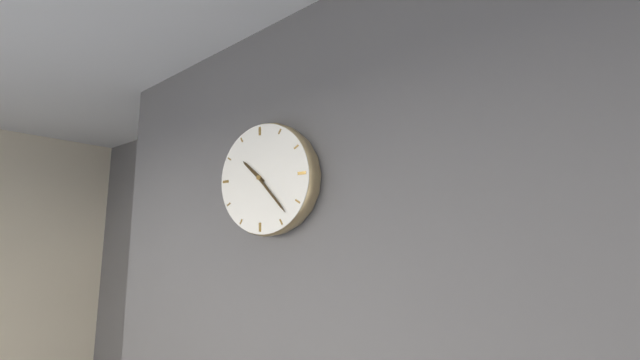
10:23
